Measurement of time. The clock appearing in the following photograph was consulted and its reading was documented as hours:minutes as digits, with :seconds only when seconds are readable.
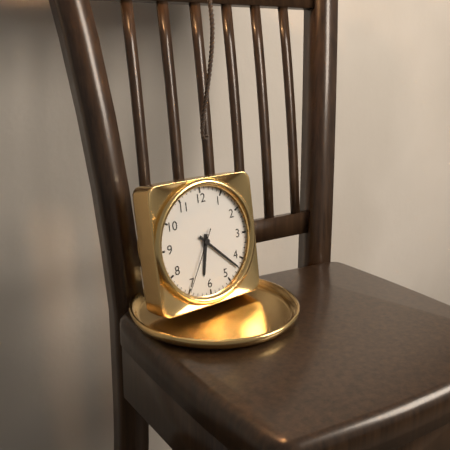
6:22:35
